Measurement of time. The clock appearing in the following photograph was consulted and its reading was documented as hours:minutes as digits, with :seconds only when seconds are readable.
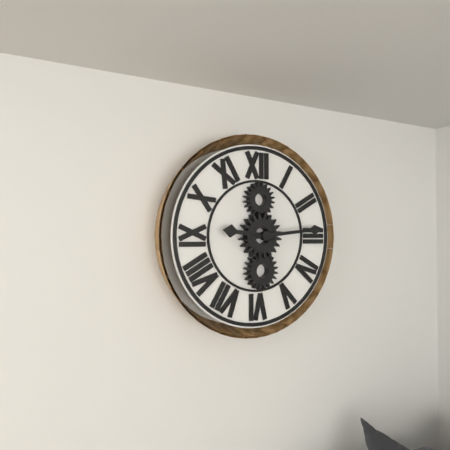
9:14
